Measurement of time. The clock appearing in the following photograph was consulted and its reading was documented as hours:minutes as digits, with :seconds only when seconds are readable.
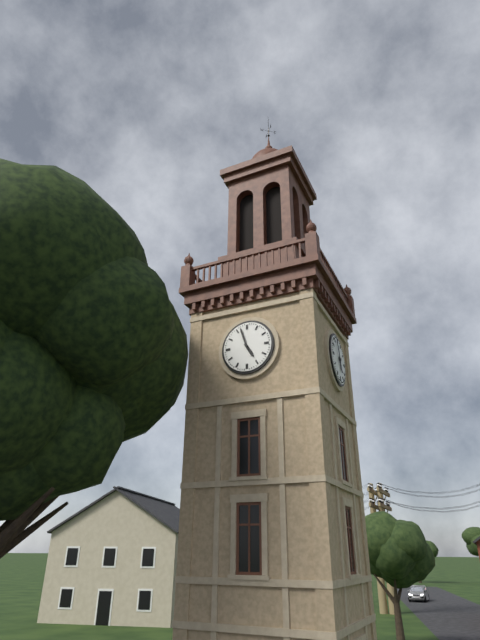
4:57
